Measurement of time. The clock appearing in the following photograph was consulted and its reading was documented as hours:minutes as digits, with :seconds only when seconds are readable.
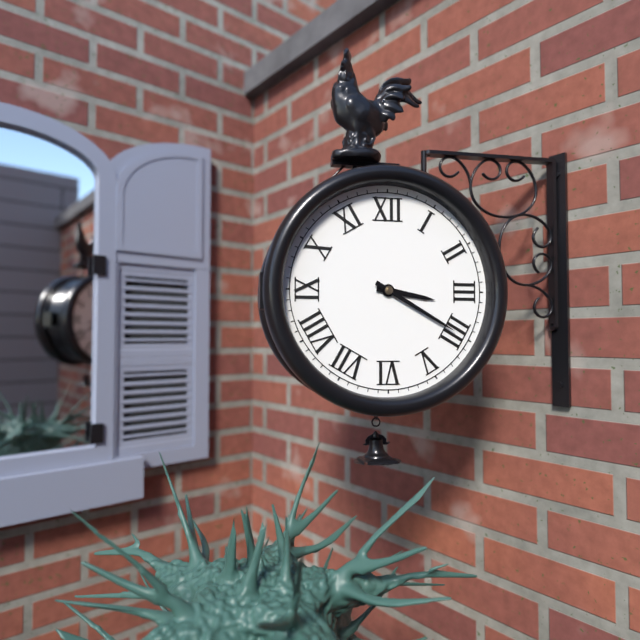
3:20
